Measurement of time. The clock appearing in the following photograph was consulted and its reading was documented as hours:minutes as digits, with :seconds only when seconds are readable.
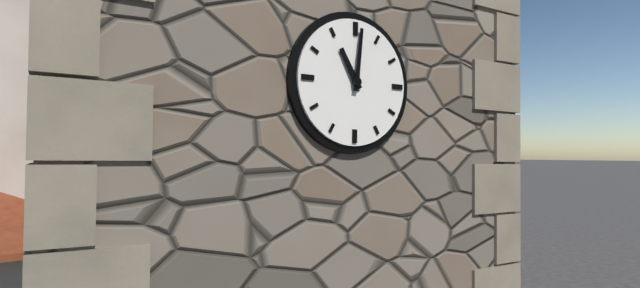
11:01
